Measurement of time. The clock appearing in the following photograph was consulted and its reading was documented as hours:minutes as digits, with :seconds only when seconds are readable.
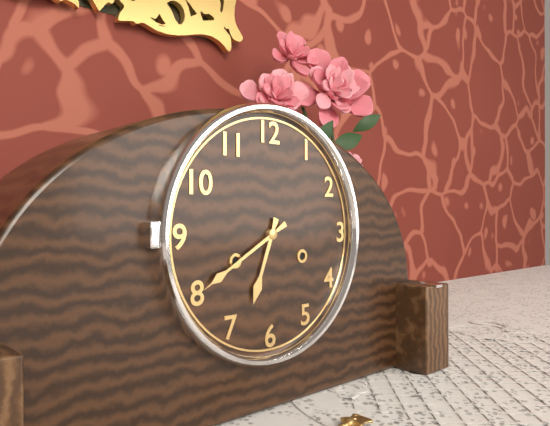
6:40
